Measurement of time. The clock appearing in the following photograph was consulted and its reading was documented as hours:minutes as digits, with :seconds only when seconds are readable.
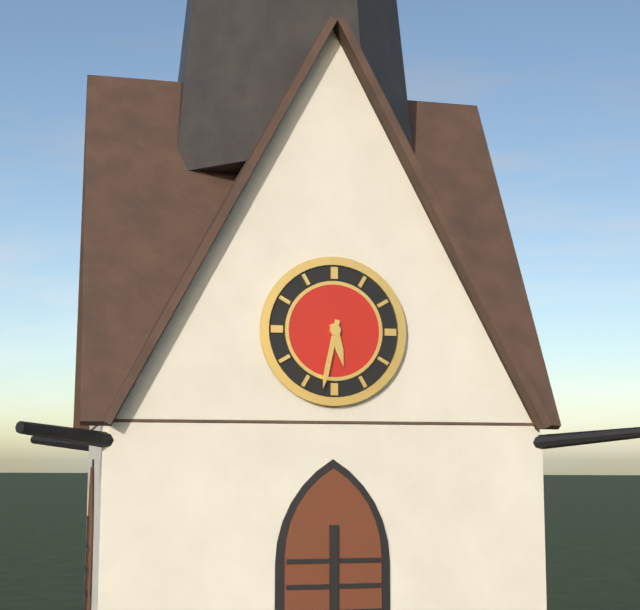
5:32
